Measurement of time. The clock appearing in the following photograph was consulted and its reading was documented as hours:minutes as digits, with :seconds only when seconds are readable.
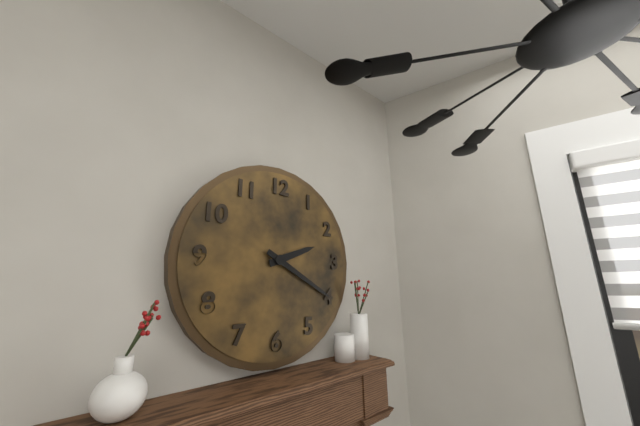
2:20
